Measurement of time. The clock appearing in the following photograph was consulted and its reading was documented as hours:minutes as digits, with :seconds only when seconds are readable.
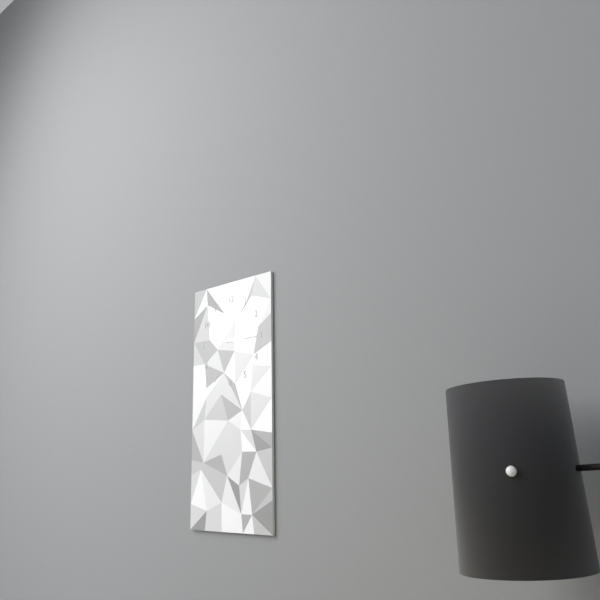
3:15
